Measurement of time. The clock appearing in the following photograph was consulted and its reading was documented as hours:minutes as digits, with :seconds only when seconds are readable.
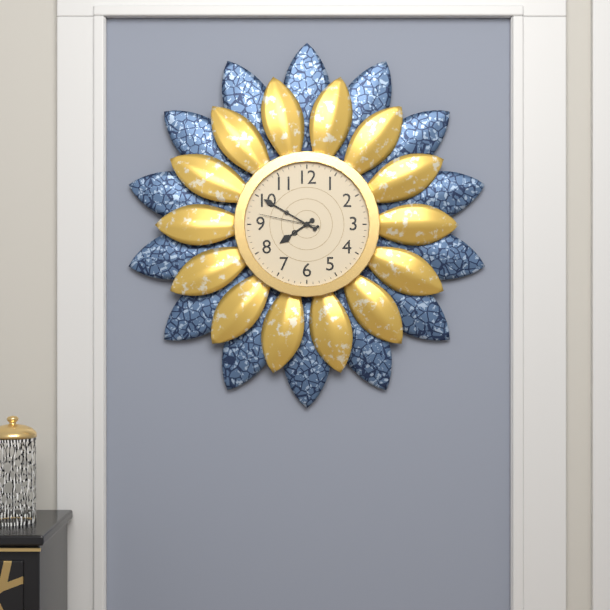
7:50:47
